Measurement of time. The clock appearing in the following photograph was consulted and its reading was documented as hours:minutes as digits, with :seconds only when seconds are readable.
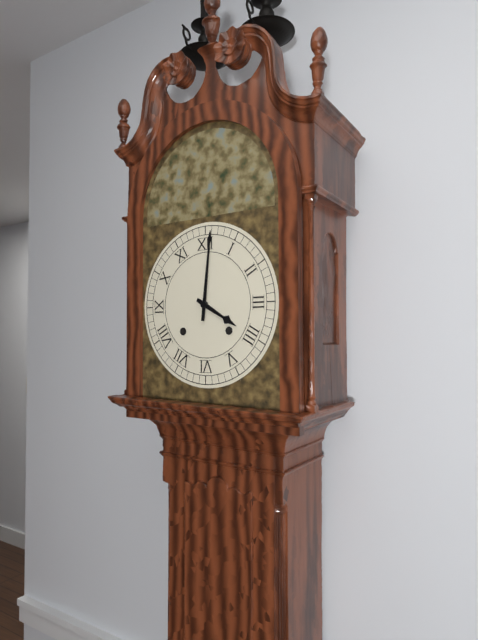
4:01
